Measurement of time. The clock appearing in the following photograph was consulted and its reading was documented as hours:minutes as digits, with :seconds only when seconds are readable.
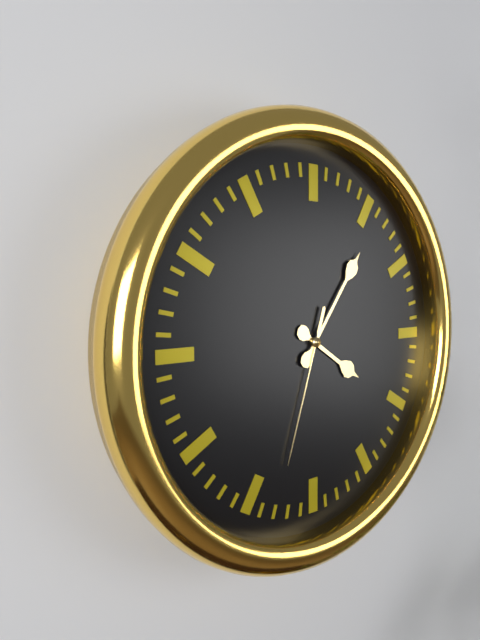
4:06:33
